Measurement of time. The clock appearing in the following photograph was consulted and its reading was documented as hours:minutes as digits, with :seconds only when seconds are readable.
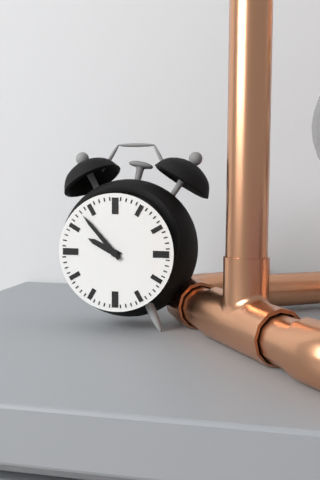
9:53
